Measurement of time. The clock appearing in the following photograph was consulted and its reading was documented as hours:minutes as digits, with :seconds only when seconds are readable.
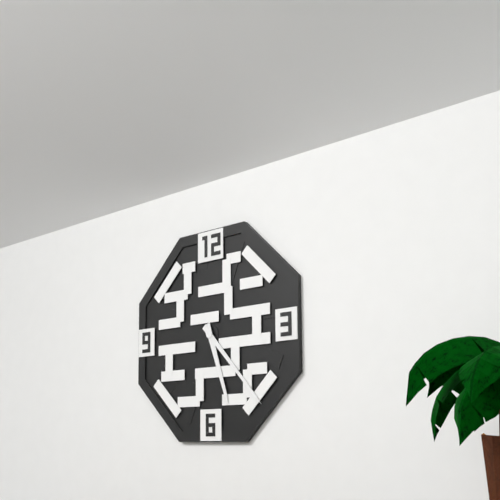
5:23
